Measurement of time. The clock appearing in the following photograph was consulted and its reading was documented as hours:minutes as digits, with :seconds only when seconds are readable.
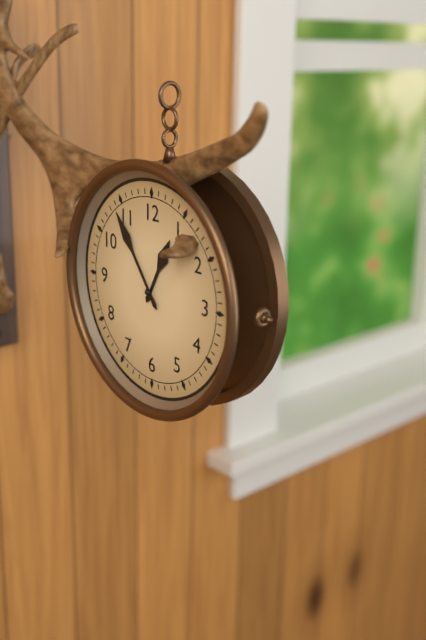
12:54
